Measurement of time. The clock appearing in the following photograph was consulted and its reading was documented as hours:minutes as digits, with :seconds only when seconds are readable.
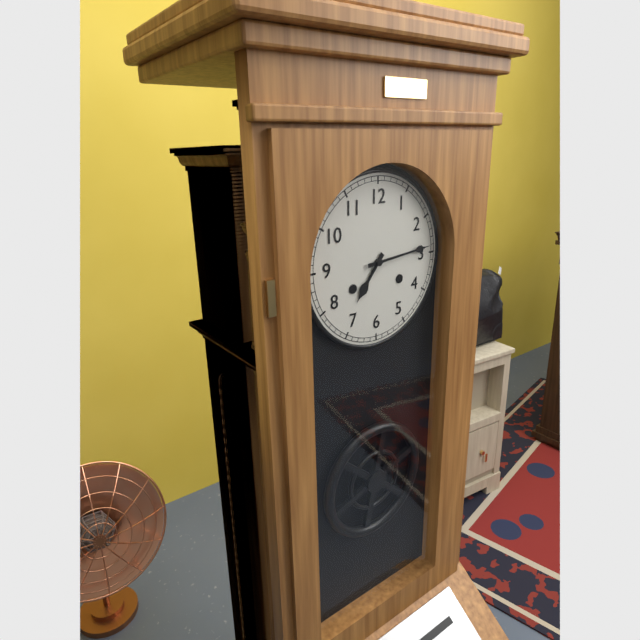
7:14
